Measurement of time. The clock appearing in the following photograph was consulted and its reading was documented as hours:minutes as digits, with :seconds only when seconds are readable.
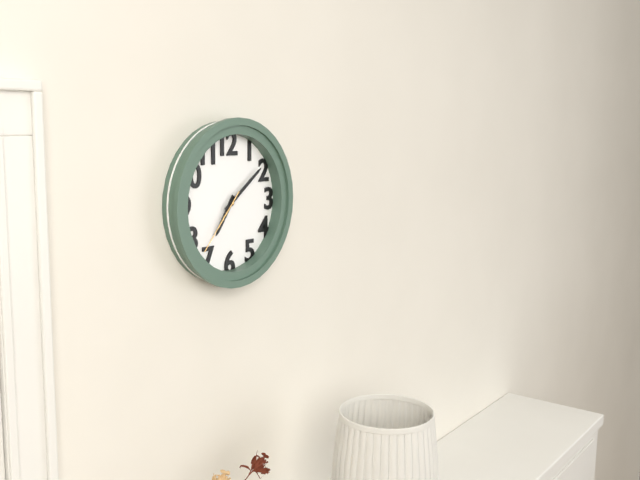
7:09:37
